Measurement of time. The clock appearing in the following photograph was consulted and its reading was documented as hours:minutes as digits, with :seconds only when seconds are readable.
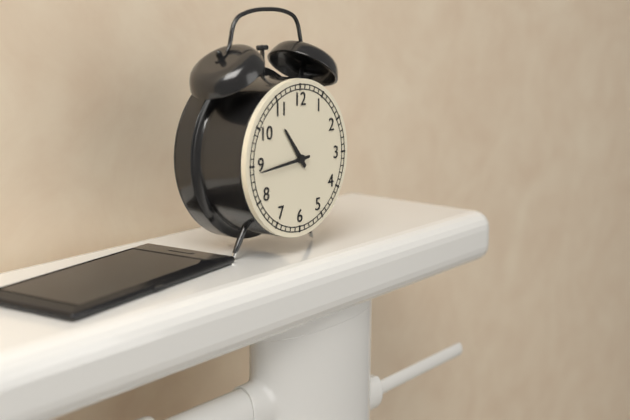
10:44
